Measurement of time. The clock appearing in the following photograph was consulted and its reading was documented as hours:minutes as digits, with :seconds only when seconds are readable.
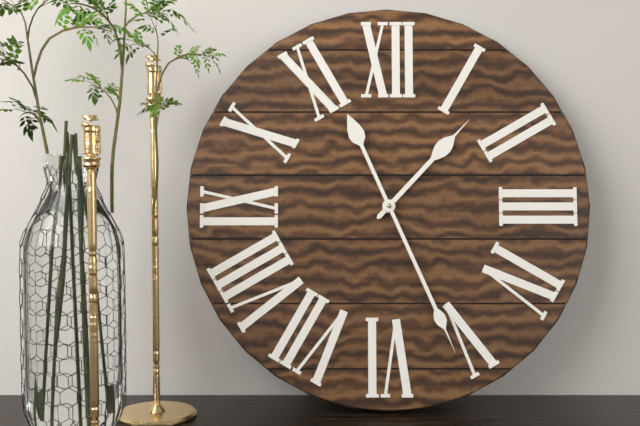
1:26
